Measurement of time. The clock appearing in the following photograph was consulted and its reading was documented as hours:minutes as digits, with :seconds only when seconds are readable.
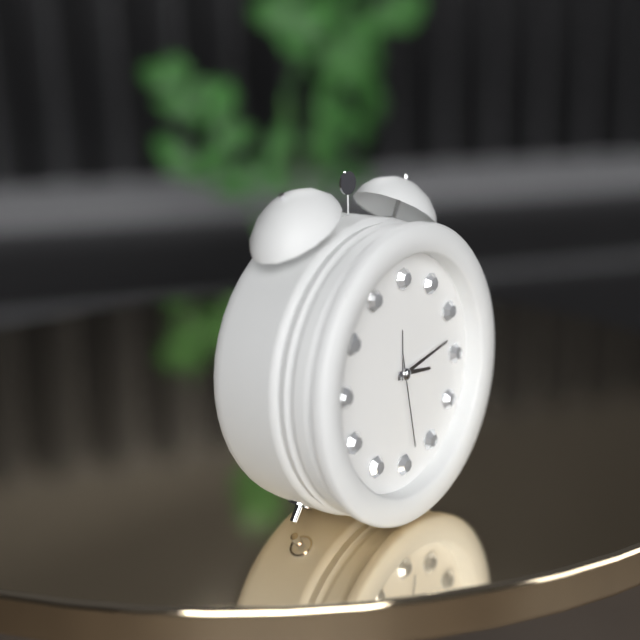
3:13:28
